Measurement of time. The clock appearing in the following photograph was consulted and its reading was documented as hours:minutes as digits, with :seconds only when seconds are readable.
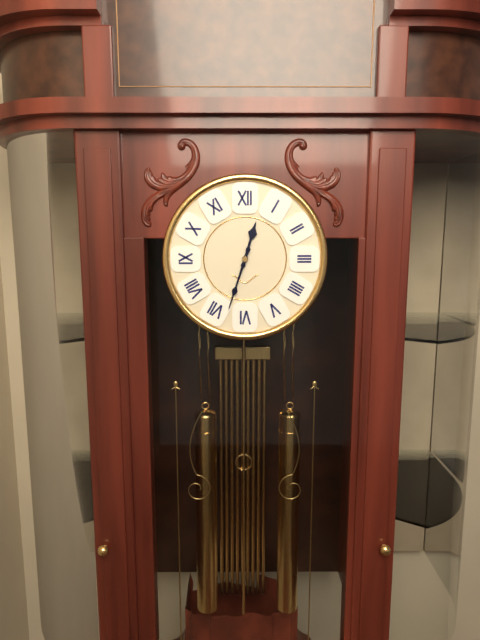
12:33
